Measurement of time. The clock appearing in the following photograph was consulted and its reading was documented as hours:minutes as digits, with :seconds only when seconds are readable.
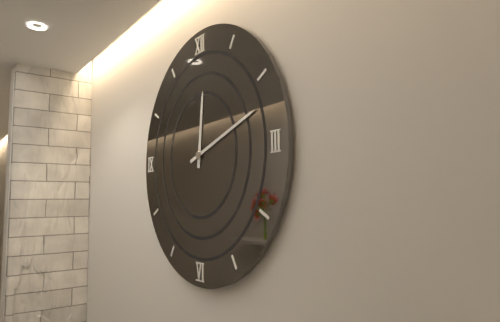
12:12
